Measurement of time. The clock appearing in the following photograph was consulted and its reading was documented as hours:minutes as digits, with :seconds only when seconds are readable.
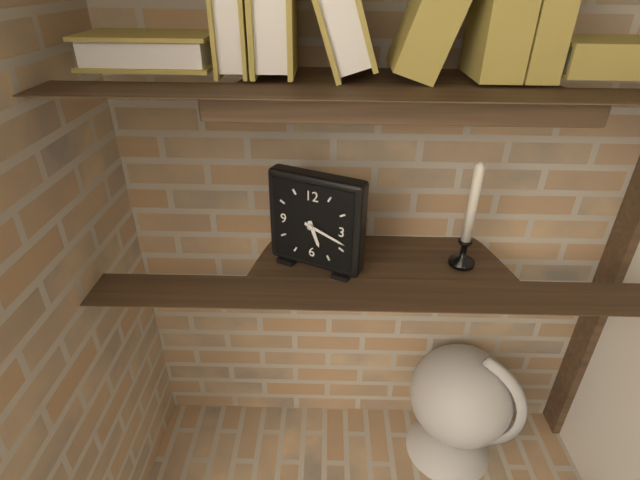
5:18
